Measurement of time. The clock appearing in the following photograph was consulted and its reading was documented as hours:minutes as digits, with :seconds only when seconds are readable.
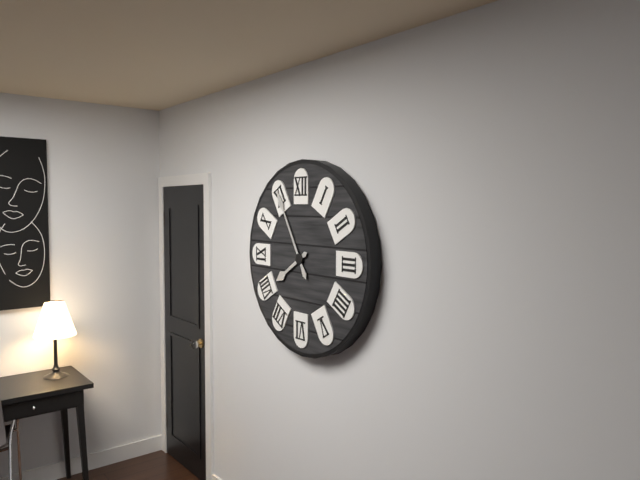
7:55
